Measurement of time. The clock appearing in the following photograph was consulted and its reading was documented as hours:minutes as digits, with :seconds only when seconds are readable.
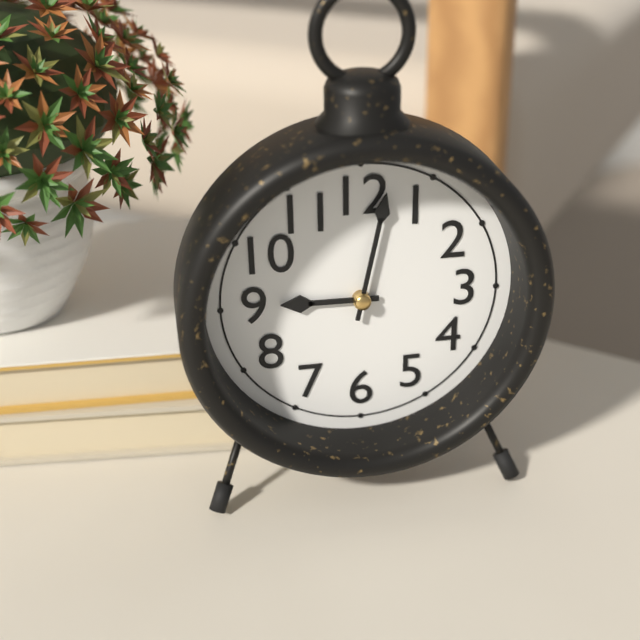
9:02
